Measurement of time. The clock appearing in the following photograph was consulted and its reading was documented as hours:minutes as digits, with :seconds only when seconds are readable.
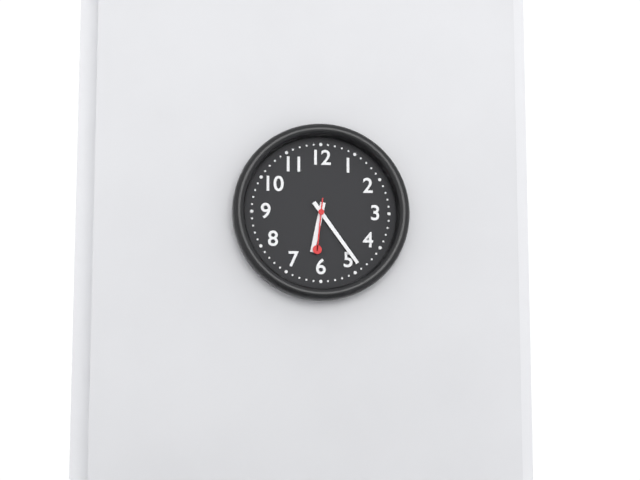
6:24:31
